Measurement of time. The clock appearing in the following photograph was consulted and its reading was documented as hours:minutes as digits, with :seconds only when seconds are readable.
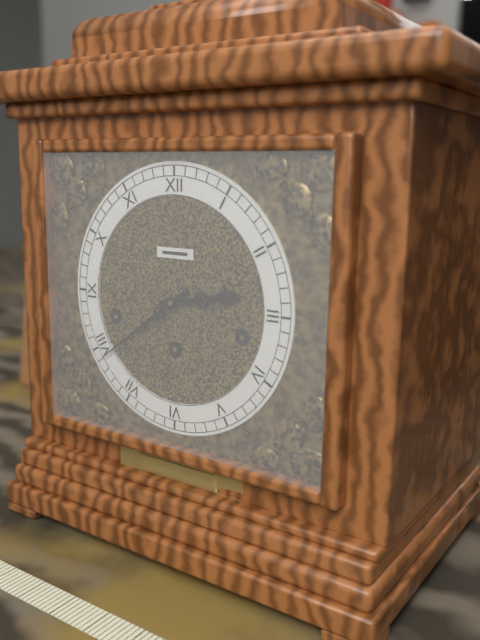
2:39
